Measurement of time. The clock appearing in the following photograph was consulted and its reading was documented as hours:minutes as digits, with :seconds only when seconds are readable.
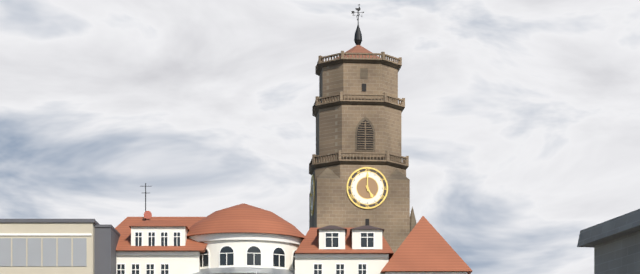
5:00
